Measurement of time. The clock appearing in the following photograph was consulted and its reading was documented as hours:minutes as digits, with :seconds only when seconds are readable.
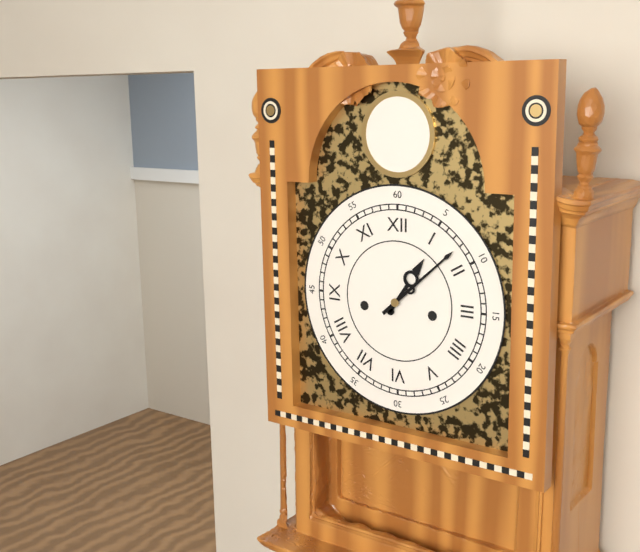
1:08
